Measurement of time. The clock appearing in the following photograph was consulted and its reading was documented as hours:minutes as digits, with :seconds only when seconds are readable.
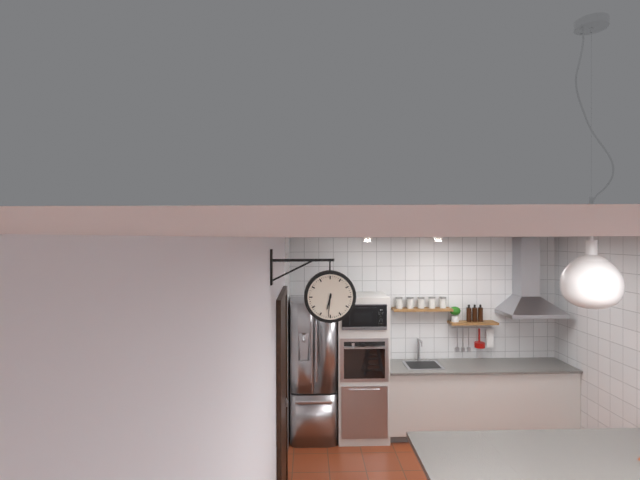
6:31
